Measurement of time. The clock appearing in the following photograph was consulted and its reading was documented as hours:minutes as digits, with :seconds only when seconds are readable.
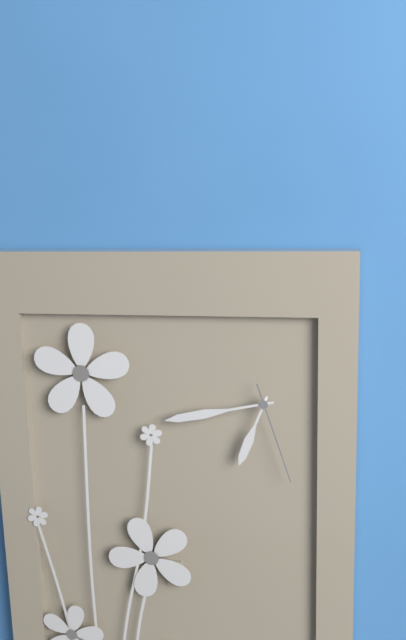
6:43:27
